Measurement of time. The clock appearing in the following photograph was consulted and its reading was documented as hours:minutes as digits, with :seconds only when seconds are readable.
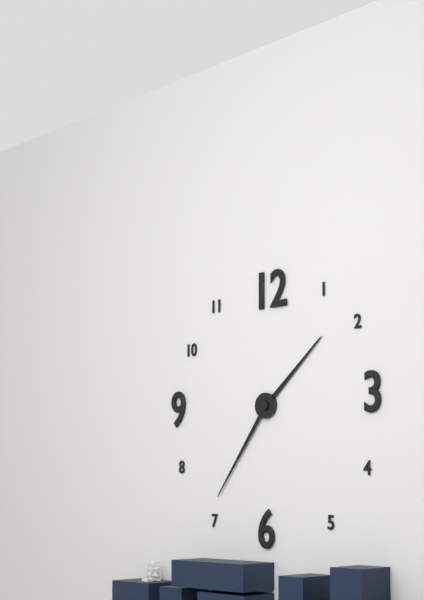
1:36
